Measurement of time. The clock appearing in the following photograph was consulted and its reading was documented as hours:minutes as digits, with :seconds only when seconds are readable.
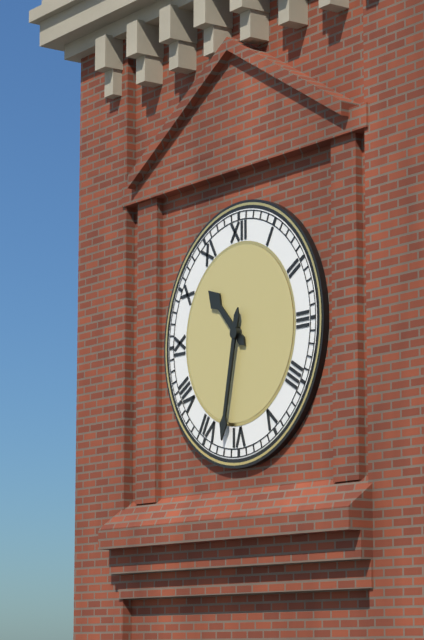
10:32
